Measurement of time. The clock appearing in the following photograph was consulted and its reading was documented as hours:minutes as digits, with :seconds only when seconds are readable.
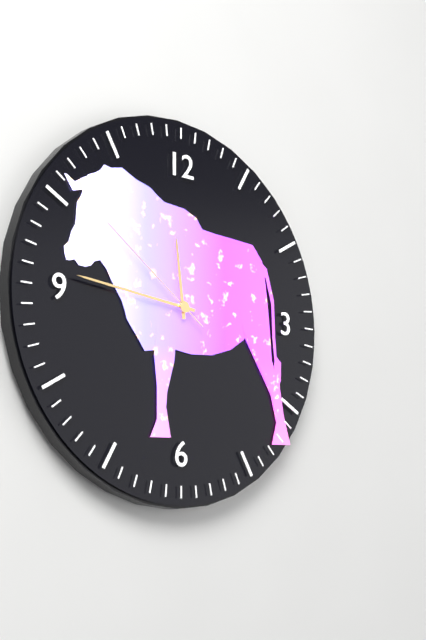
11:46:51
